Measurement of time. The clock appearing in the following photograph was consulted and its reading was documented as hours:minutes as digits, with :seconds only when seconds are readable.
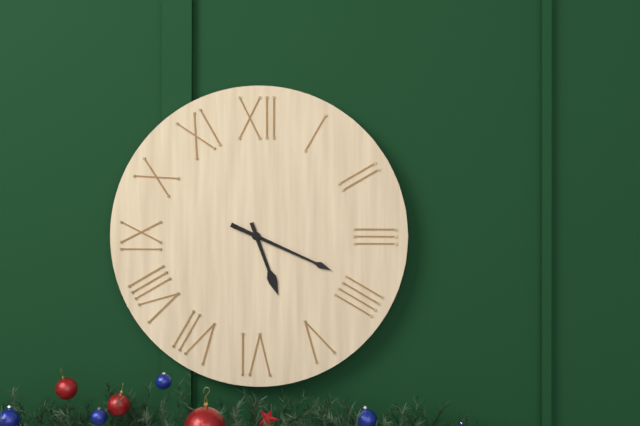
5:19
